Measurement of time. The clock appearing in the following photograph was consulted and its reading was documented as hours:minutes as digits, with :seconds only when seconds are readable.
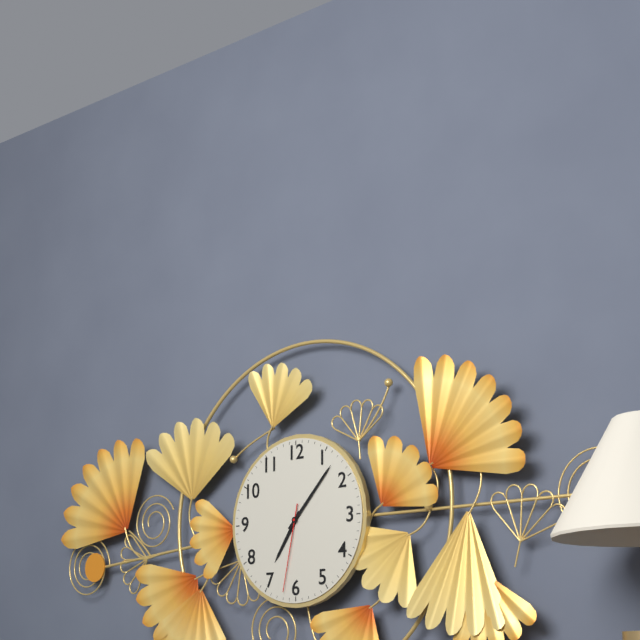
7:07:32
